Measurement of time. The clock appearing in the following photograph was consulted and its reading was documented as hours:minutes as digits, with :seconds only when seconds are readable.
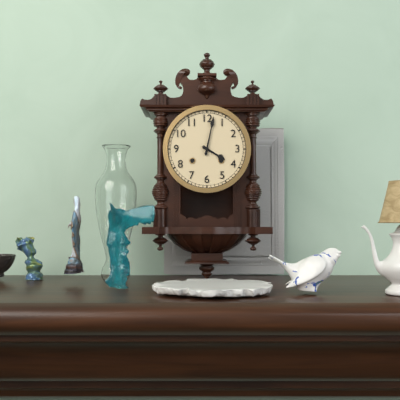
4:02
